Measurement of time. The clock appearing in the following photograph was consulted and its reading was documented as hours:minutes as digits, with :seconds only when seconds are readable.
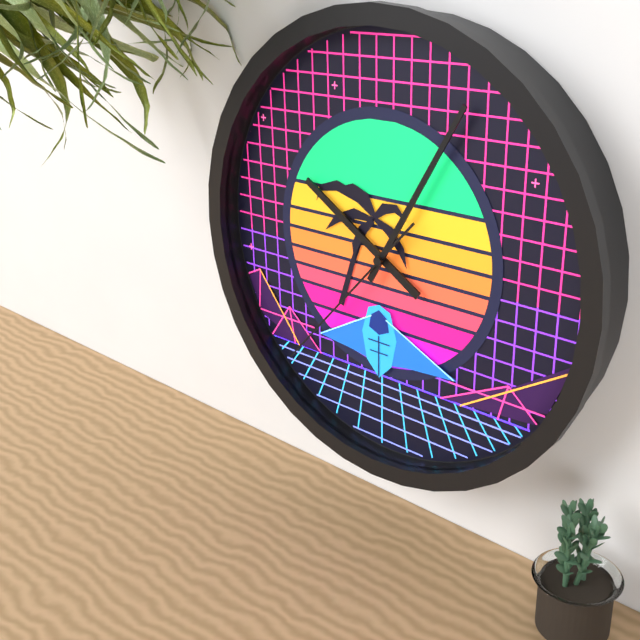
10:05:37
